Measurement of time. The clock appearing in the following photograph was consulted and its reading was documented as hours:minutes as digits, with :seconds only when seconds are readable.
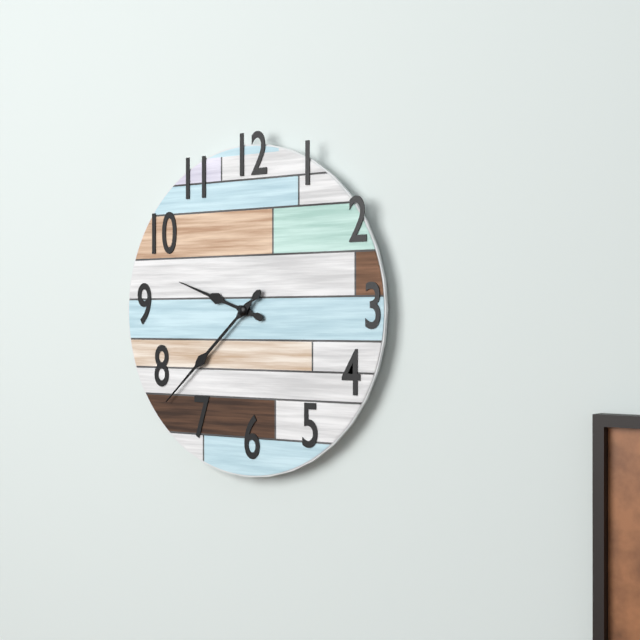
9:38
